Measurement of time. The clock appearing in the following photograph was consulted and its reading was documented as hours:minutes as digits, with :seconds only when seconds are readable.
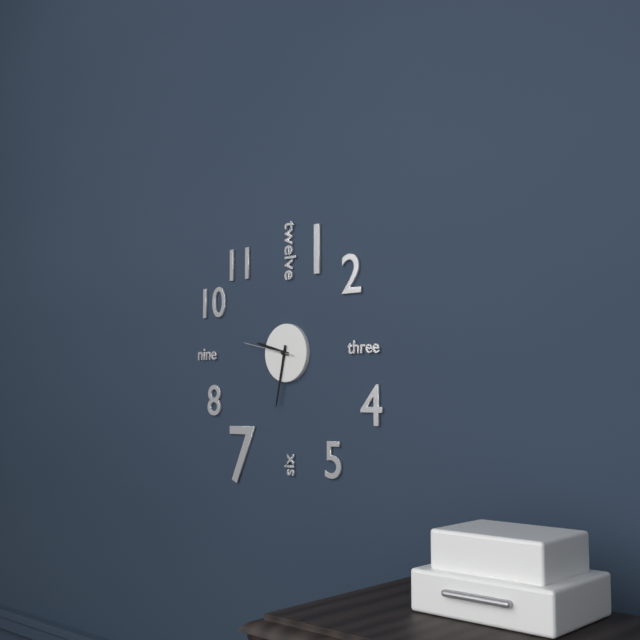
9:32:47
